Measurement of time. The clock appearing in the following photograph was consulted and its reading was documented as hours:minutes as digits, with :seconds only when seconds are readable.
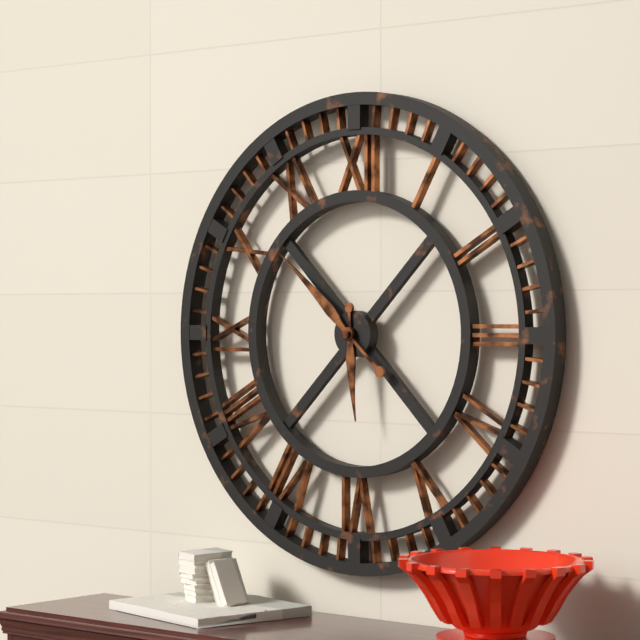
5:52
